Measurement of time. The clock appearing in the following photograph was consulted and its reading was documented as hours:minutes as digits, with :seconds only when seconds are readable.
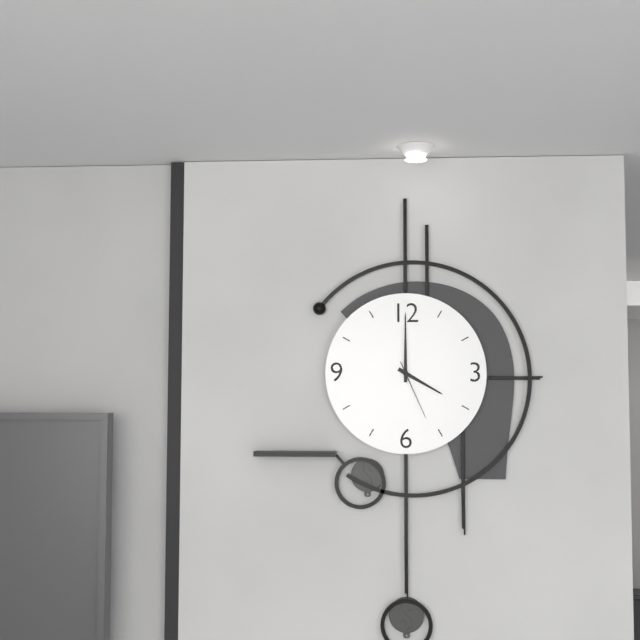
4:00:26
